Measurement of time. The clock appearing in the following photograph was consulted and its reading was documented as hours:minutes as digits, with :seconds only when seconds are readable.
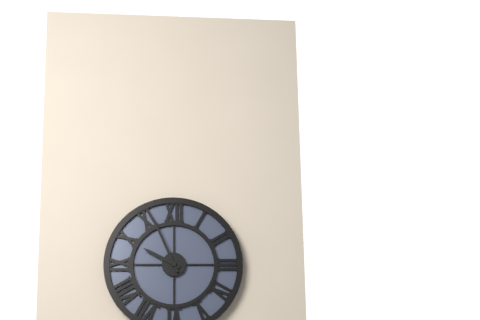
9:56
